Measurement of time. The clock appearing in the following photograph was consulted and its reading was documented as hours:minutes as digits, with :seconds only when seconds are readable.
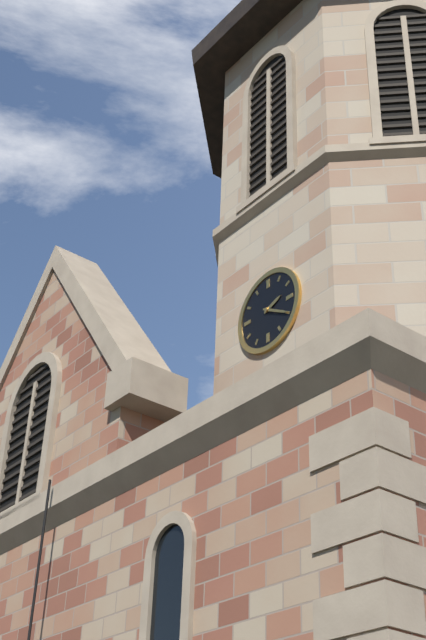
2:20
